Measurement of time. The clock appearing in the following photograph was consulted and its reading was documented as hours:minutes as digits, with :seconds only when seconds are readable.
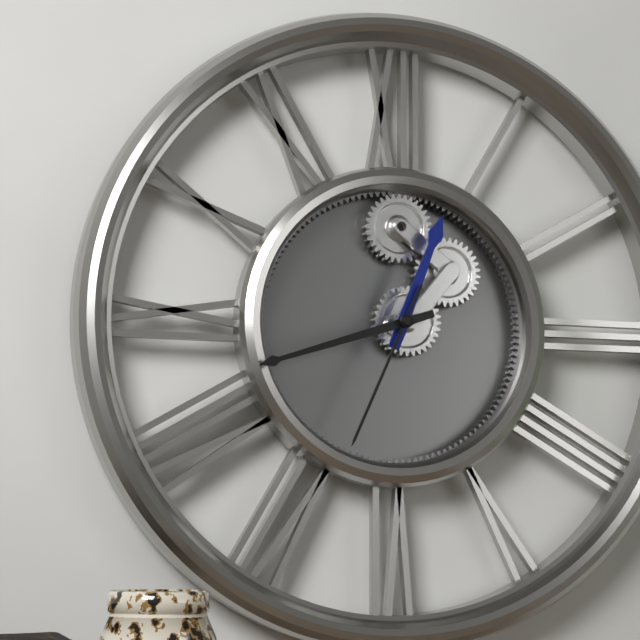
12:42:34
